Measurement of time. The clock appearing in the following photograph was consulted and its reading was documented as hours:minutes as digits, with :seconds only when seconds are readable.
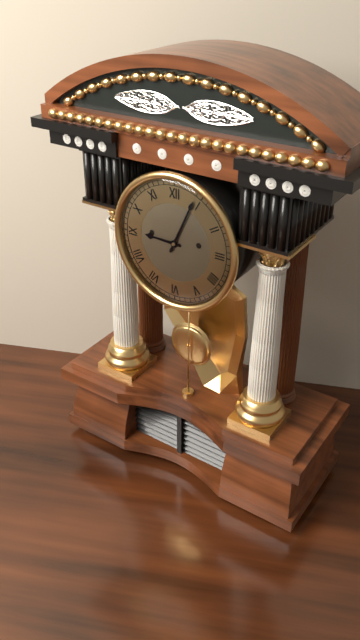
9:04
